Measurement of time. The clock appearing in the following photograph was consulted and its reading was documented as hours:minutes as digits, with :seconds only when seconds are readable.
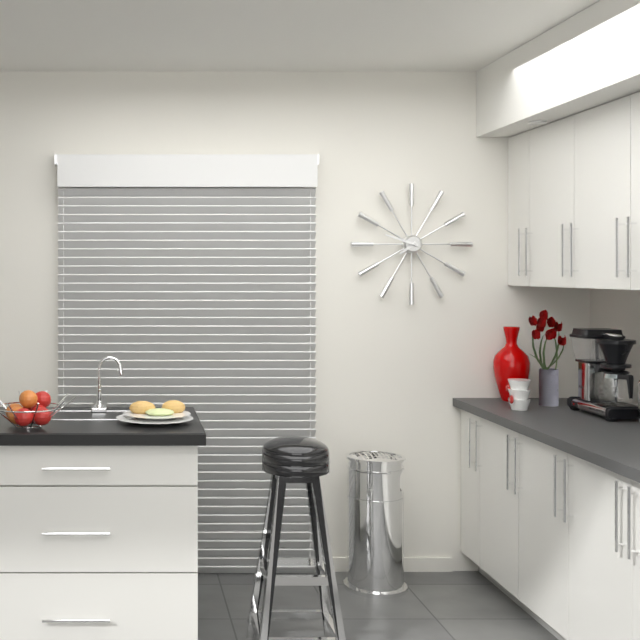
7:48
